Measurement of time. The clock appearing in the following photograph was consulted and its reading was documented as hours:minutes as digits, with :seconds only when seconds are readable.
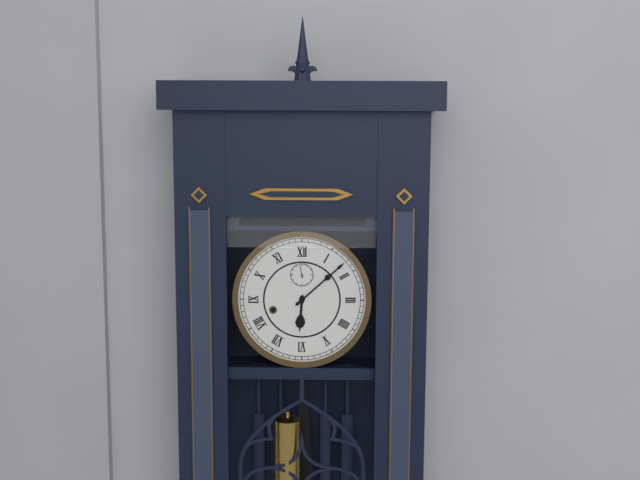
6:08
